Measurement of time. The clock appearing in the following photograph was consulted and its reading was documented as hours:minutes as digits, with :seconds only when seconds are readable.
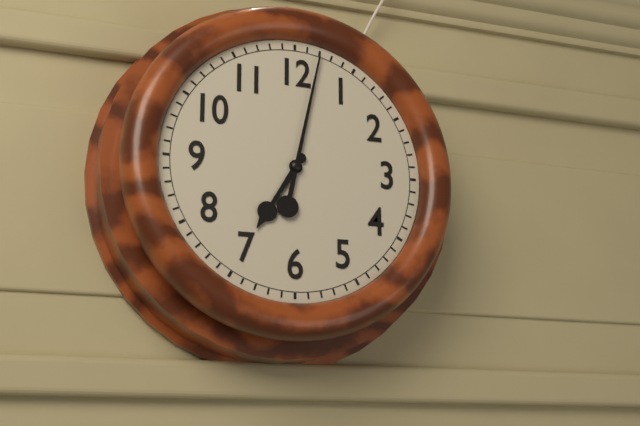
7:02
